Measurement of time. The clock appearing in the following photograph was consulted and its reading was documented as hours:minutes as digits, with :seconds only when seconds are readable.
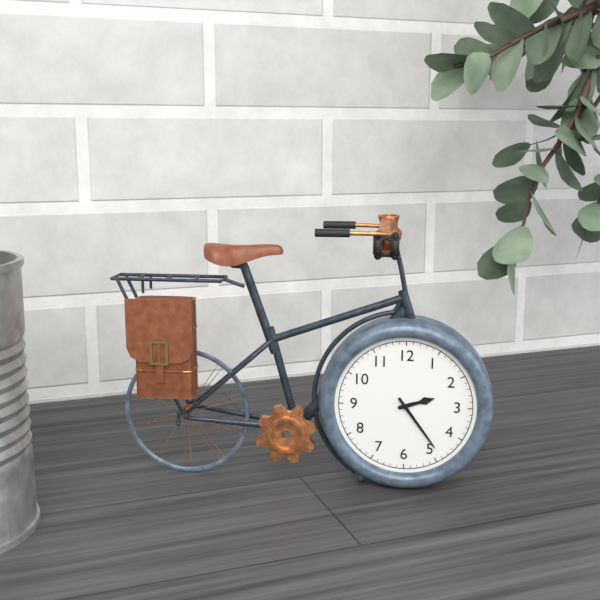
2:24
